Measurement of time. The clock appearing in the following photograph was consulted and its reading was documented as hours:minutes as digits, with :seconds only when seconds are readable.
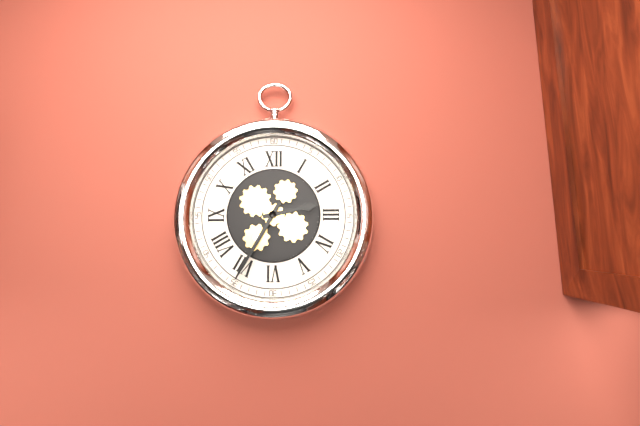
2:35
